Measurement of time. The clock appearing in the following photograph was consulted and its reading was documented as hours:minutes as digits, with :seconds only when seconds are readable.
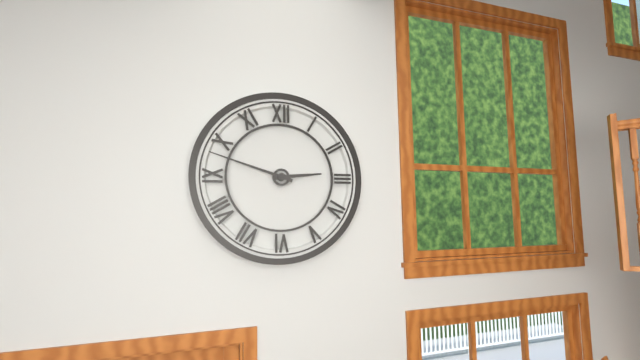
2:48
